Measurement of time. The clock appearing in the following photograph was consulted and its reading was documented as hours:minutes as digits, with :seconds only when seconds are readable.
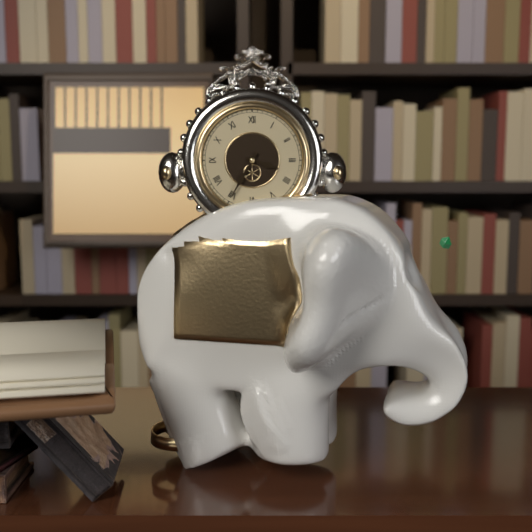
3:35
